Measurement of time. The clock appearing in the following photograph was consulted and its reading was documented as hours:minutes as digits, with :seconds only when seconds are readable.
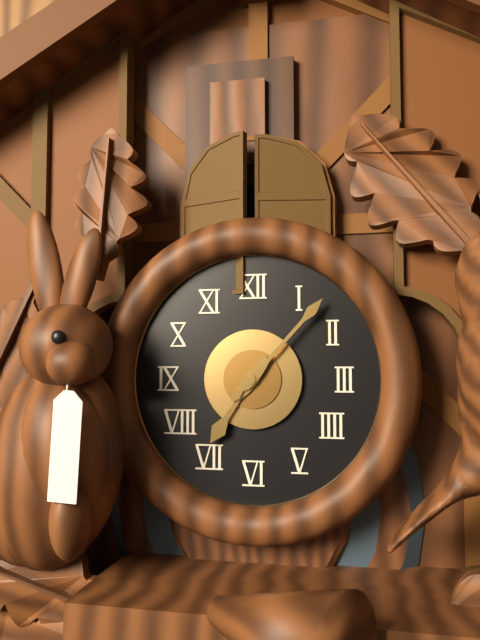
7:07
